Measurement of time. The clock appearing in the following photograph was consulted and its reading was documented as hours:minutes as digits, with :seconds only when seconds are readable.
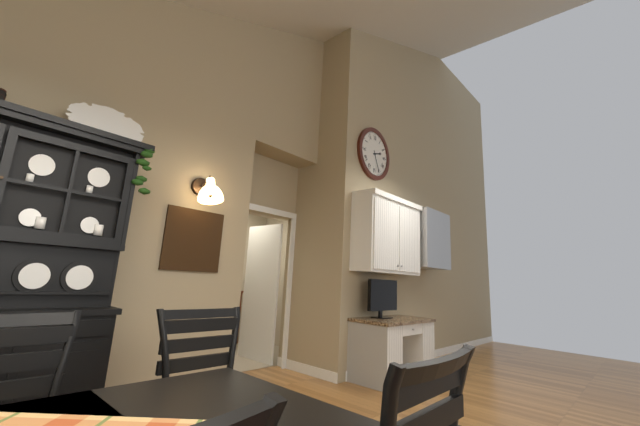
2:26
